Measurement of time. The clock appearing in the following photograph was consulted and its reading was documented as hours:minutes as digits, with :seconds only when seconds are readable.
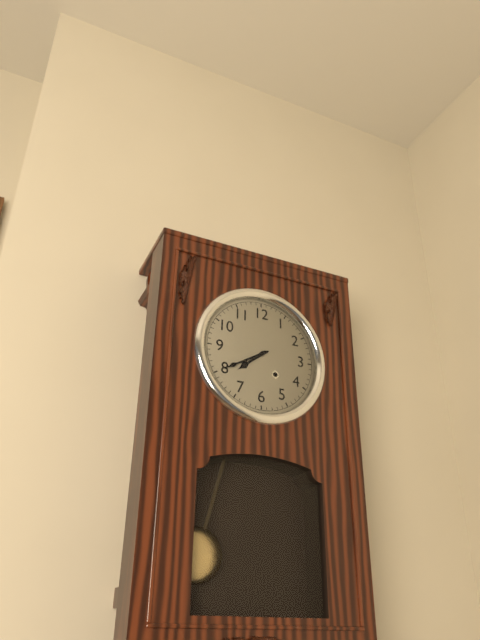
7:40
